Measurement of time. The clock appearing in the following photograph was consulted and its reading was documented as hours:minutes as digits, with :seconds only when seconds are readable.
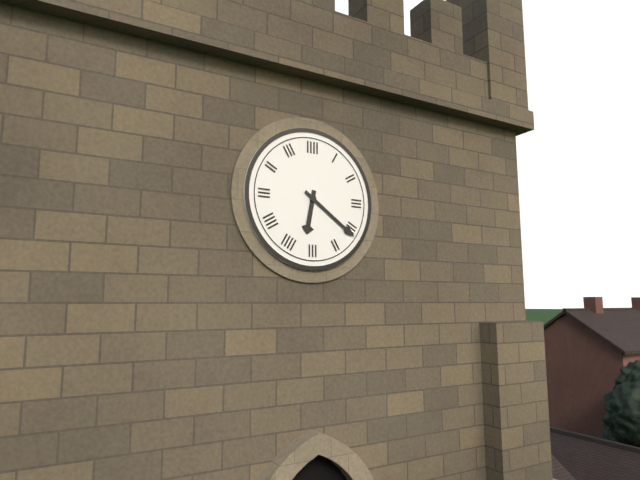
6:21
